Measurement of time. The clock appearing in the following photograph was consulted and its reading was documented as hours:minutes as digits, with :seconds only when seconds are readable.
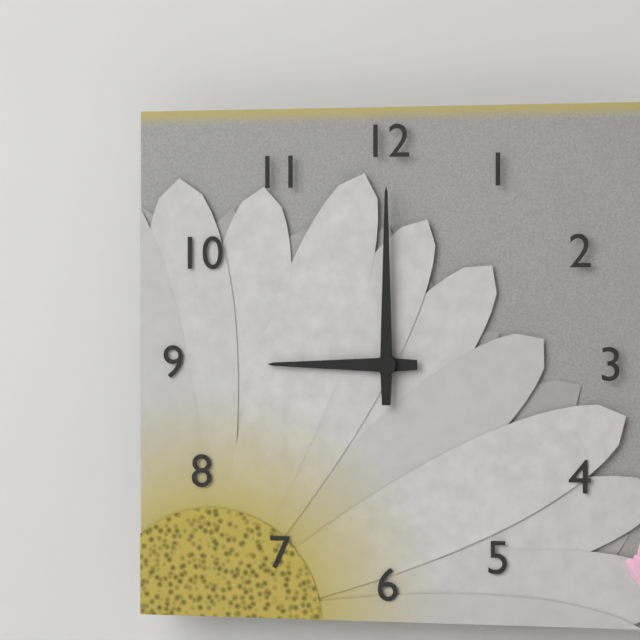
9:00
